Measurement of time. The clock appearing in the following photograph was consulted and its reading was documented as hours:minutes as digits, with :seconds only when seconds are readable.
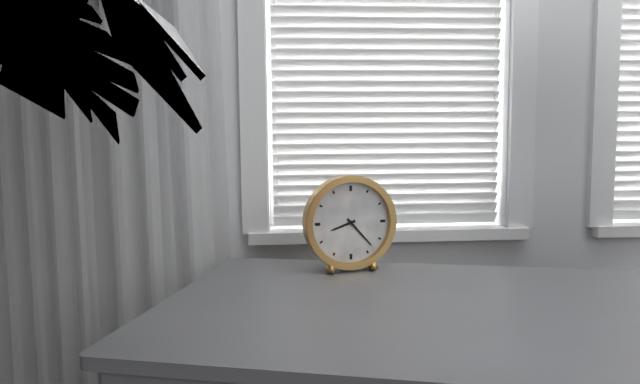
8:23
